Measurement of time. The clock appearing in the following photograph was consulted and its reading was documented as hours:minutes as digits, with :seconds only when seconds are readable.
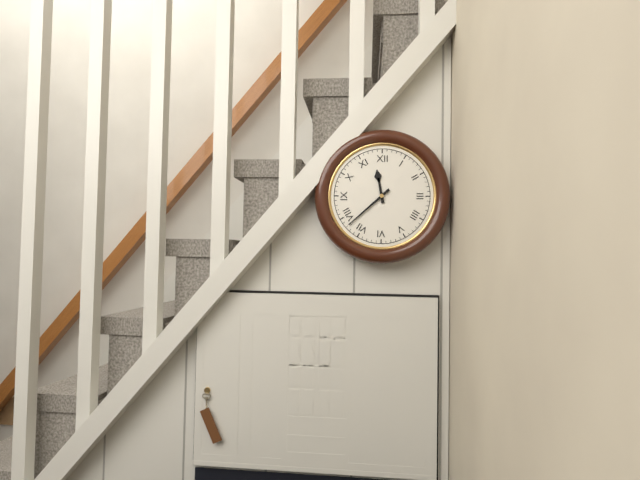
11:38
